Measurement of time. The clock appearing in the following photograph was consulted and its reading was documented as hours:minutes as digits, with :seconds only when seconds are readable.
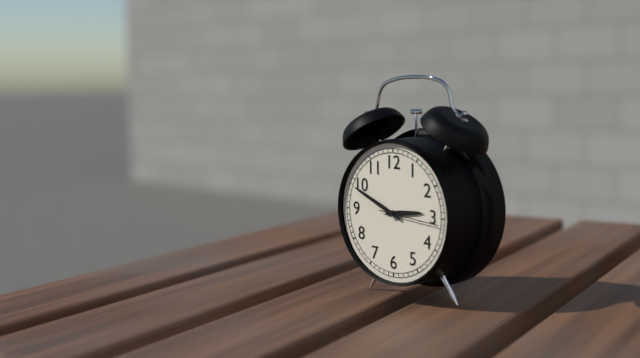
2:49
